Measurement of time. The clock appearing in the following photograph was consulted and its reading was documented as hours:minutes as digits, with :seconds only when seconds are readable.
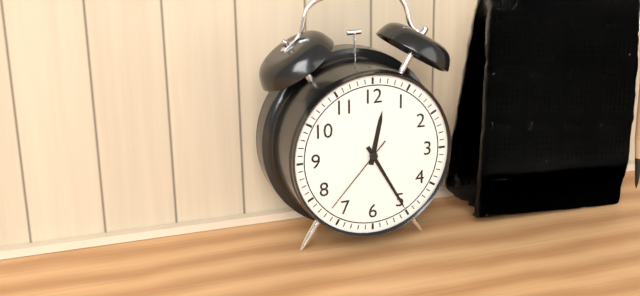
12:25:37
